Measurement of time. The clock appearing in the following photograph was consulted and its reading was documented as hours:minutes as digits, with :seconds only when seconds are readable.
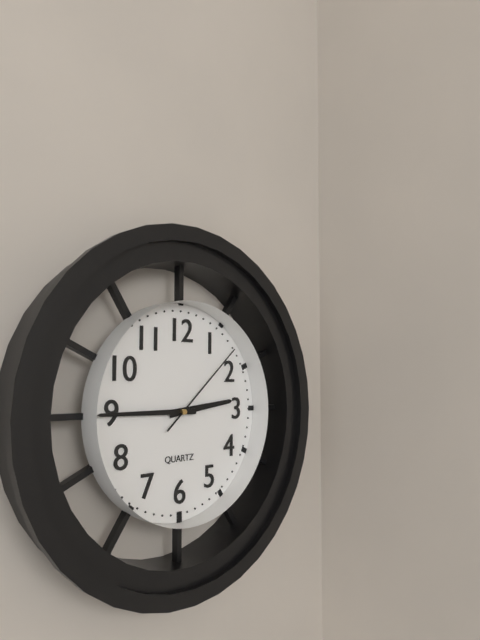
2:45:08
